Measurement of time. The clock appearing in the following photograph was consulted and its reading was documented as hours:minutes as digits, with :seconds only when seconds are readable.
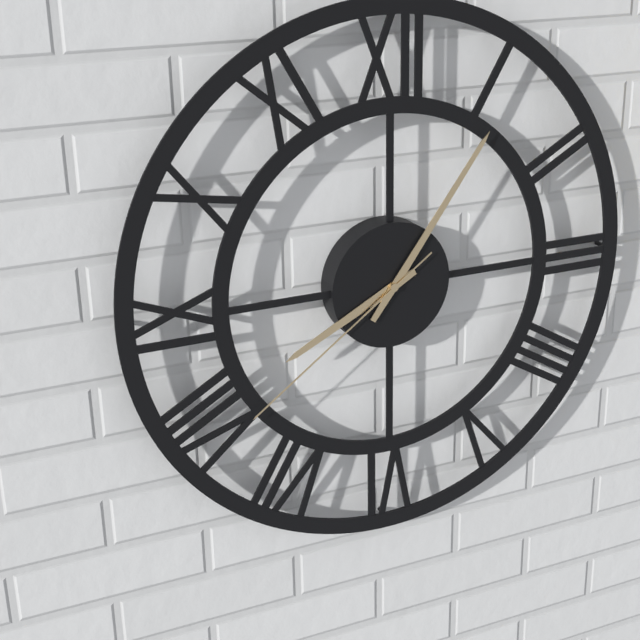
8:06:39
